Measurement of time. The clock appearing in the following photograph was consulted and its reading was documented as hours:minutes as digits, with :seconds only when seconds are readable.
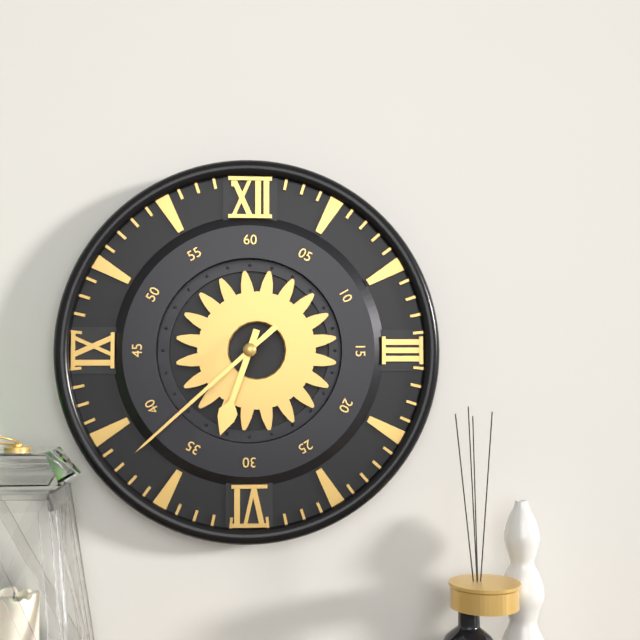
6:38
